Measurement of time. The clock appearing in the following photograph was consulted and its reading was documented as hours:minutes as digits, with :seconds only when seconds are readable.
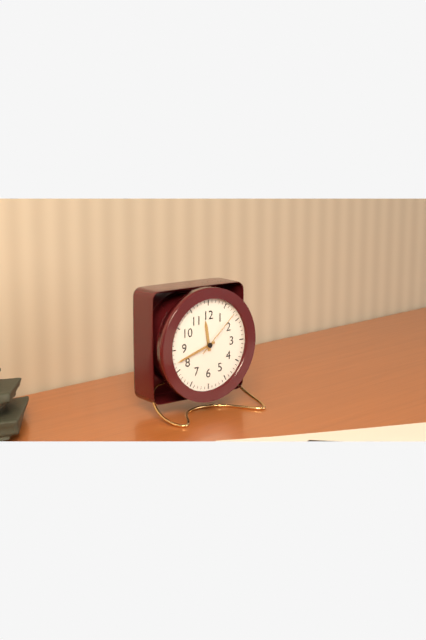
11:42
